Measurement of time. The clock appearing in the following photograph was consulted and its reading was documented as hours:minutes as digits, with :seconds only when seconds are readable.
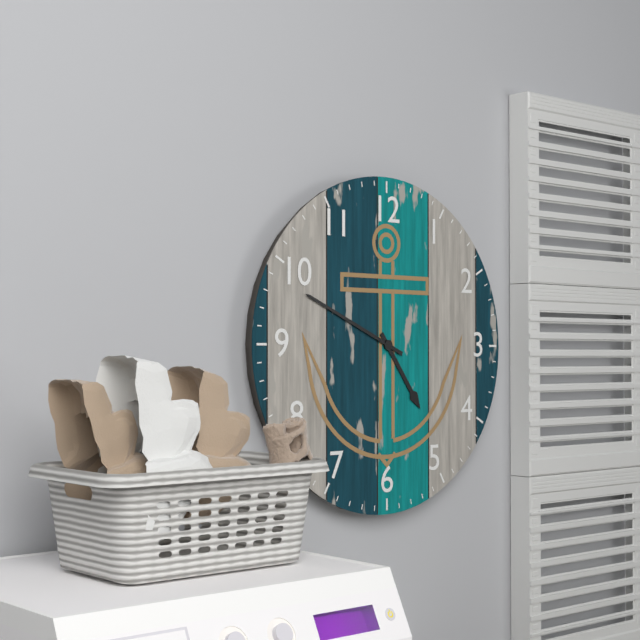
4:49
